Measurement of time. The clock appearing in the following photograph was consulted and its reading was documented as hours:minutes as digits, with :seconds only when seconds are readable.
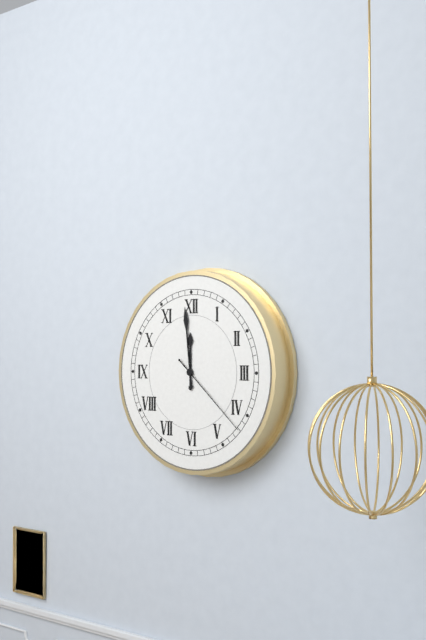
11:59:22
